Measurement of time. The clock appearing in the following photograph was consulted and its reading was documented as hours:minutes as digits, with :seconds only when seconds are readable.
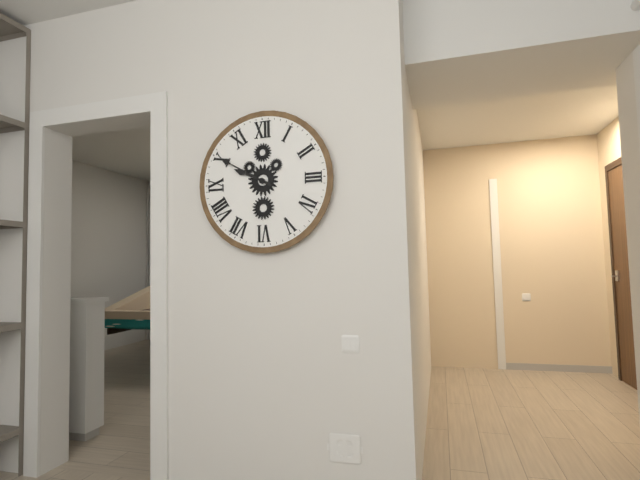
9:50
